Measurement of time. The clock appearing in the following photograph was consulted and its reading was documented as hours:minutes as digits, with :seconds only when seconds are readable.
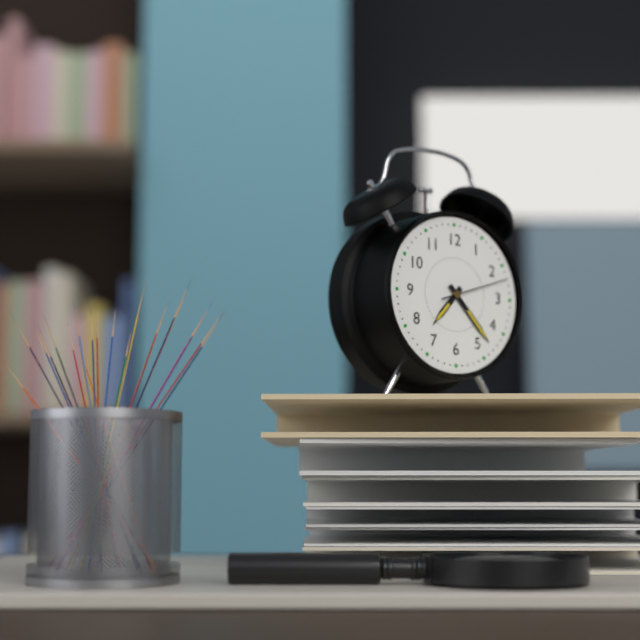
7:23:12
